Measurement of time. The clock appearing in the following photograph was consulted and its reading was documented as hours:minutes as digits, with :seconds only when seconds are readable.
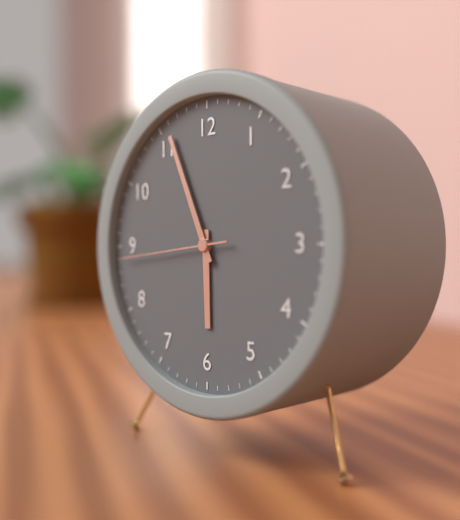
5:56:44
